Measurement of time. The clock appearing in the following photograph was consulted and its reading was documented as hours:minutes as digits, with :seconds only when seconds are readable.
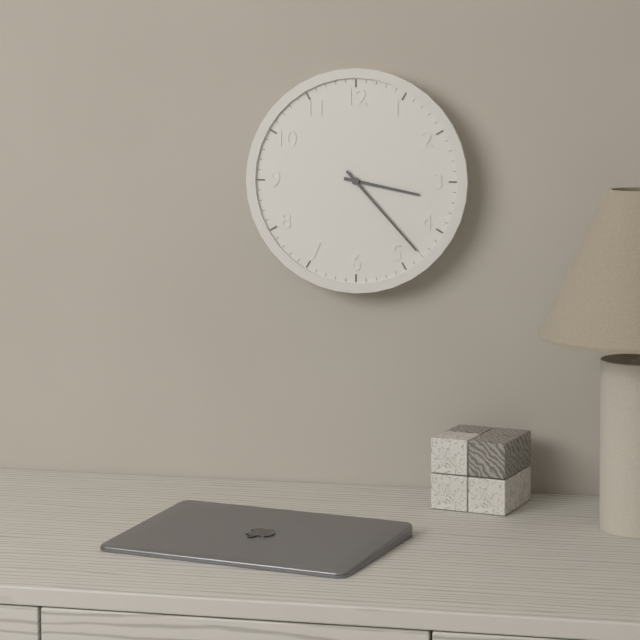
3:23
